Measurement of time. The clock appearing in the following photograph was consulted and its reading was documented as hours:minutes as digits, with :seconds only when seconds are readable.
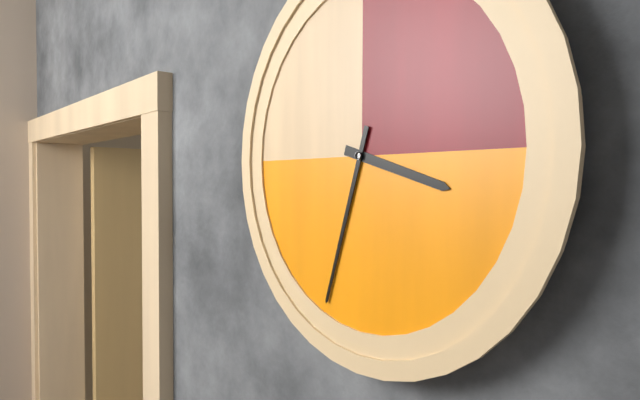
3:33
